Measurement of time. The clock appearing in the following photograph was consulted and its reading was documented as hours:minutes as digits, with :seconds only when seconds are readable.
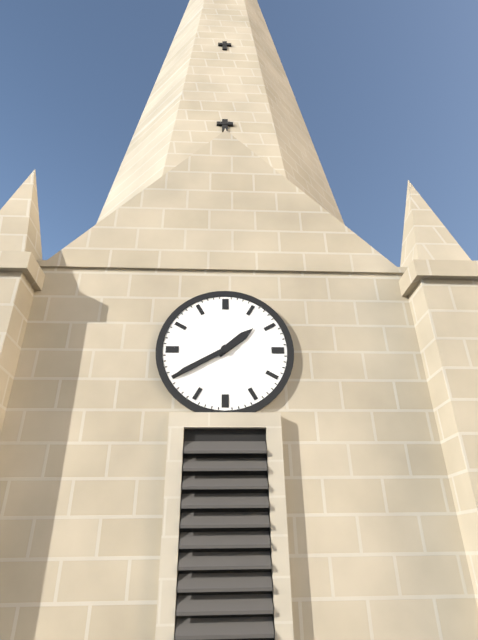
1:40
